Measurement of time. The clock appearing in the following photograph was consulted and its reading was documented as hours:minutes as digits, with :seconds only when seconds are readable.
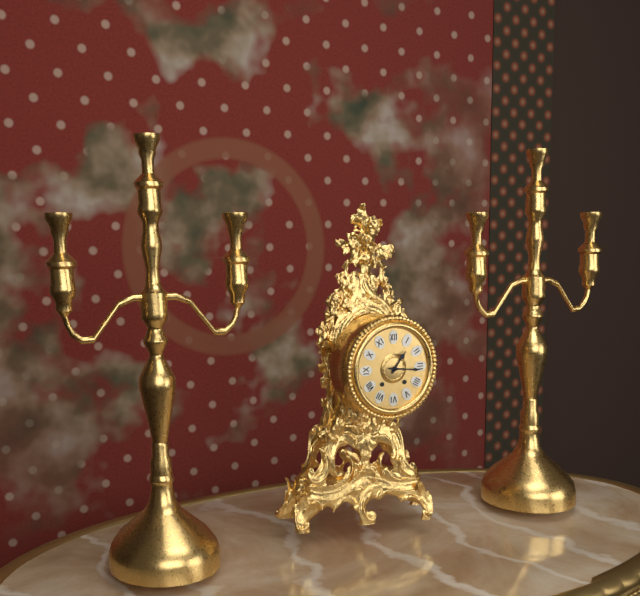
1:16
